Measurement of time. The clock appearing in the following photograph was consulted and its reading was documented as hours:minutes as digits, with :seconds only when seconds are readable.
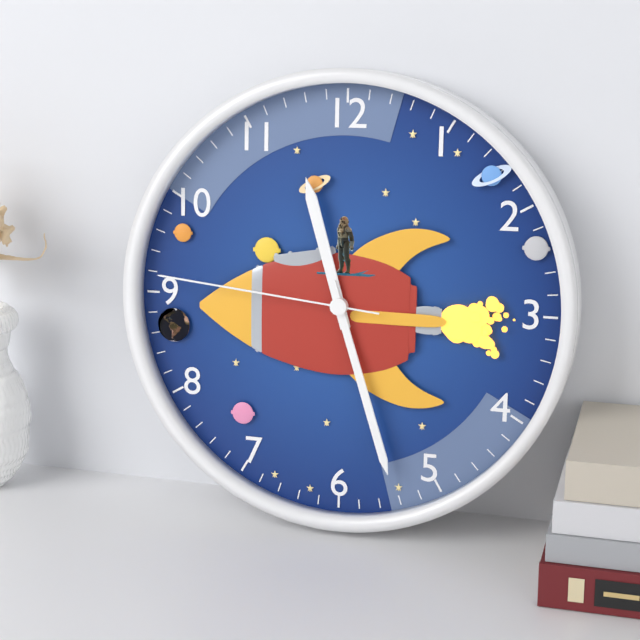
11:27:46
